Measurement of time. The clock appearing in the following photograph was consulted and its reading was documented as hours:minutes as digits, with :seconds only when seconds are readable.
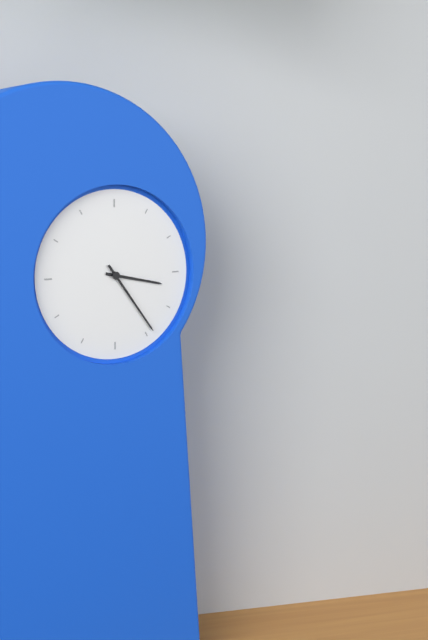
3:24
